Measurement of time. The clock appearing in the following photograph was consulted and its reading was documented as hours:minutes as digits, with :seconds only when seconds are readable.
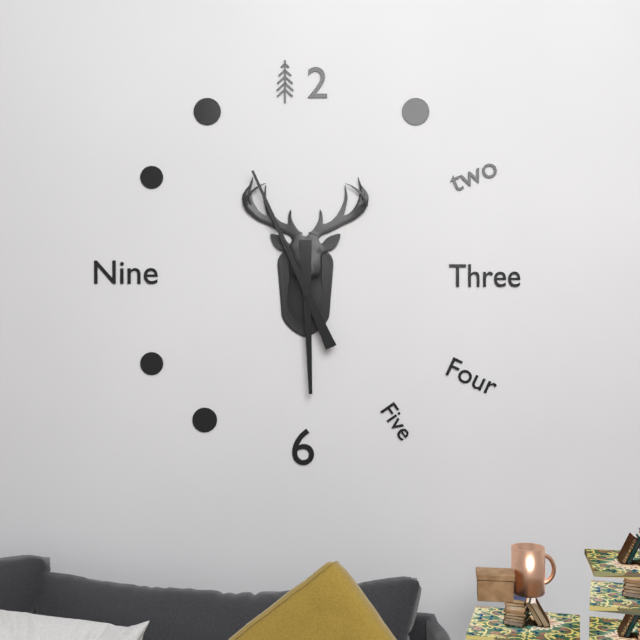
5:56
